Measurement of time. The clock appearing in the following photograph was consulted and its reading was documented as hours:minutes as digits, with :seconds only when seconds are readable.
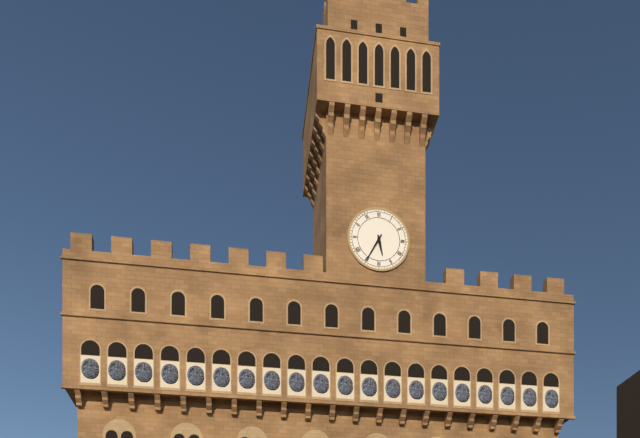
5:35
